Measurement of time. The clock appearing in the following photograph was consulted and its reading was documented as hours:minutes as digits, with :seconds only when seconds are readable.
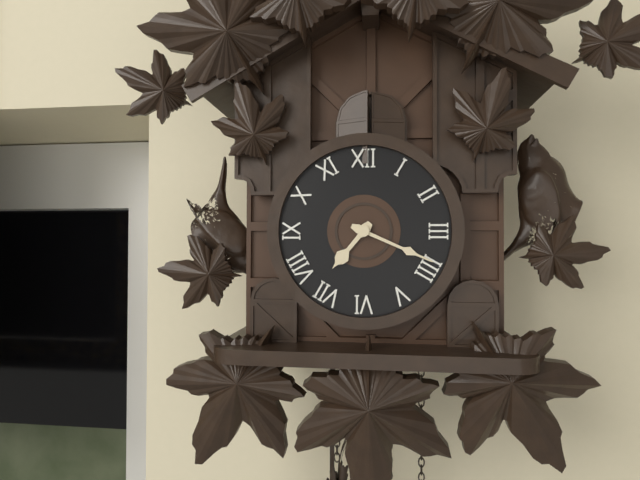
7:19
